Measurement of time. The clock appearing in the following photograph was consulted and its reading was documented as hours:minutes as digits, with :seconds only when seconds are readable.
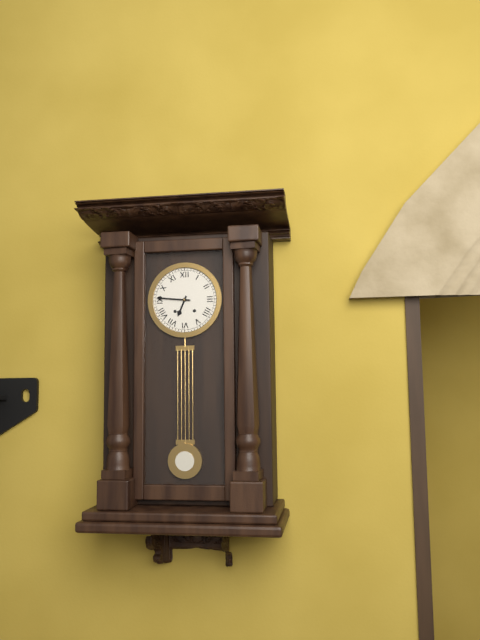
6:46
